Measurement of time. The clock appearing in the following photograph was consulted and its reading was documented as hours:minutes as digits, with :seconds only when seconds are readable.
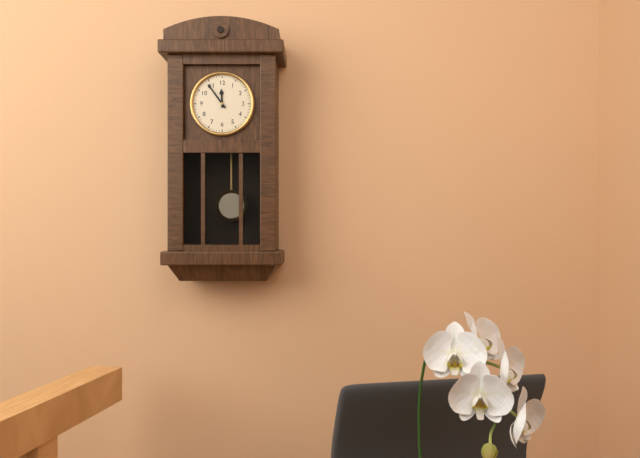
11:54
